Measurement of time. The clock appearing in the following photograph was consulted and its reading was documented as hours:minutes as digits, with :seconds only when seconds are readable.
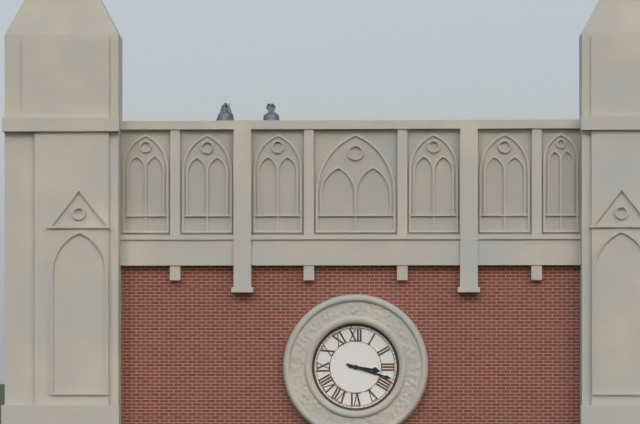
3:18
